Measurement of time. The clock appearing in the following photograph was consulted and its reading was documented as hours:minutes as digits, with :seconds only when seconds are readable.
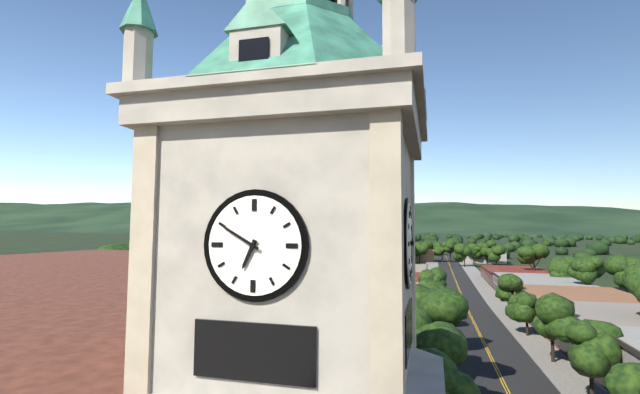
6:50
